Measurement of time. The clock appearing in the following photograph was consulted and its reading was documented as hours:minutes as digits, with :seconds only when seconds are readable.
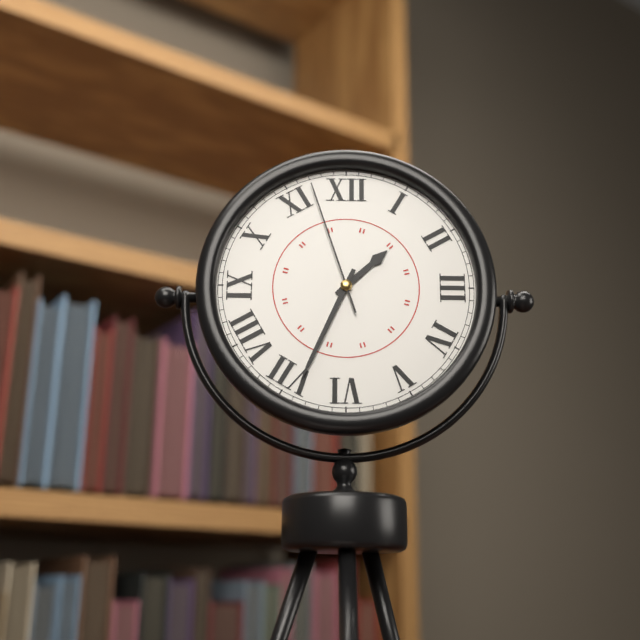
1:34:57
